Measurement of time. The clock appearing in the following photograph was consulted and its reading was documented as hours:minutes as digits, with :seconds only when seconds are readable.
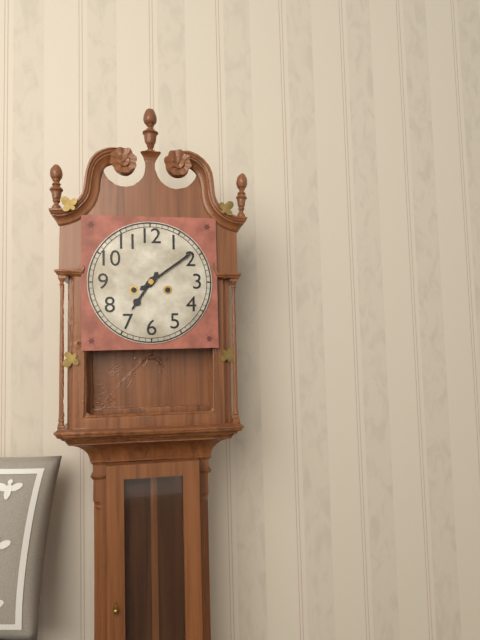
7:09
